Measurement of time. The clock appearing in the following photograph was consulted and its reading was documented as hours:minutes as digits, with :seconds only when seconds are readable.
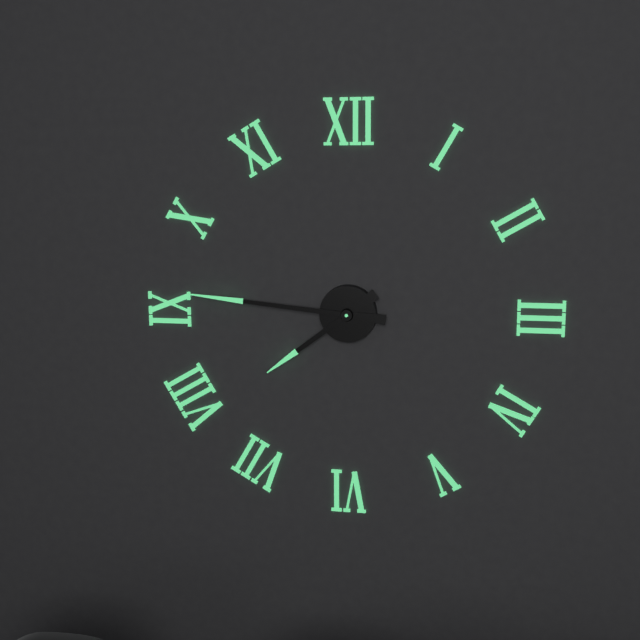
7:46
